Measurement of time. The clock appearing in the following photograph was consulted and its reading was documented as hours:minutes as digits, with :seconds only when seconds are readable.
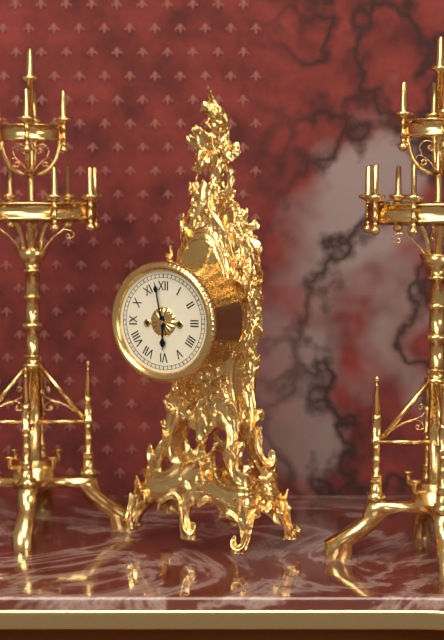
5:58
